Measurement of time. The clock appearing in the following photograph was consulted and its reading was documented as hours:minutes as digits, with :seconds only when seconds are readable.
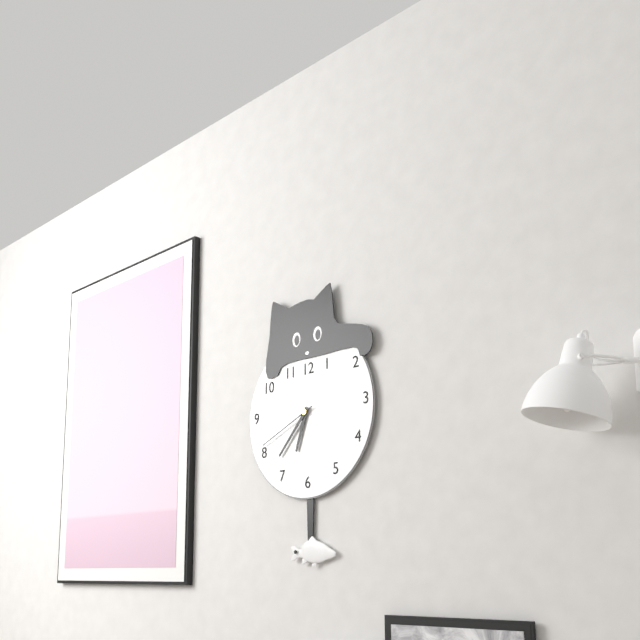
6:37:41
